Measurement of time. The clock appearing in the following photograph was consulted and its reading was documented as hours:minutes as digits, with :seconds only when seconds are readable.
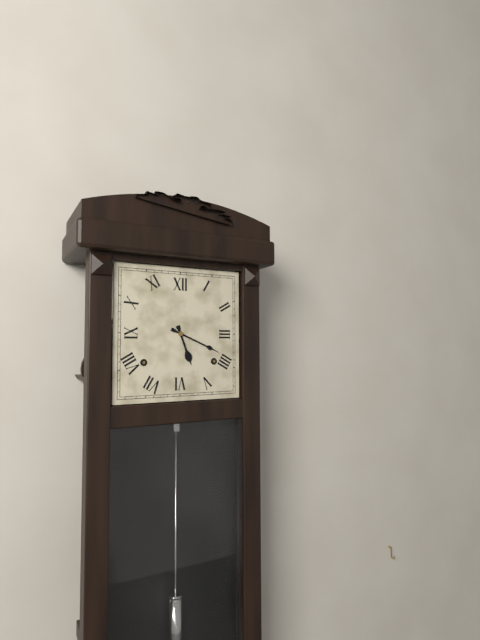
5:19
